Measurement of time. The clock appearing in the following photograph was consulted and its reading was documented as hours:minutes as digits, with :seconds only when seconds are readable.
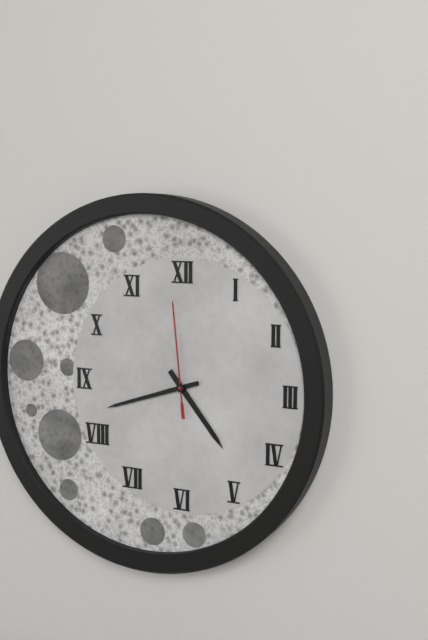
4:42:59
